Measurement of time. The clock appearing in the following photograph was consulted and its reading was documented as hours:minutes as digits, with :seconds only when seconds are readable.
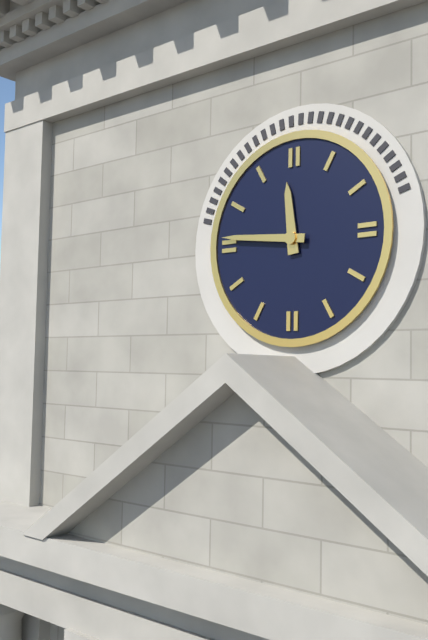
11:46
